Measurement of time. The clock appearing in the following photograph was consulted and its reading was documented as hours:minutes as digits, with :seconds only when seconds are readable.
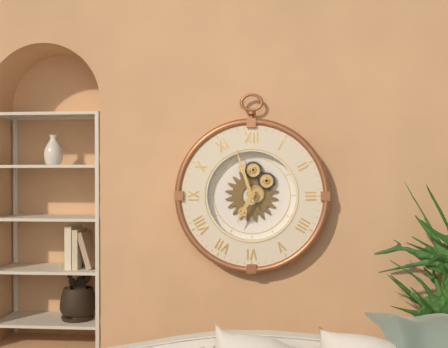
6:57
